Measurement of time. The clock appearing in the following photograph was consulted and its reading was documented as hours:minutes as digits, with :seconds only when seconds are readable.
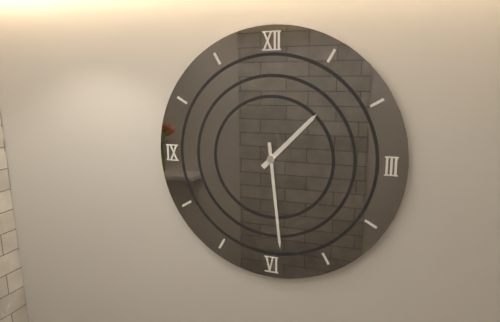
1:29
